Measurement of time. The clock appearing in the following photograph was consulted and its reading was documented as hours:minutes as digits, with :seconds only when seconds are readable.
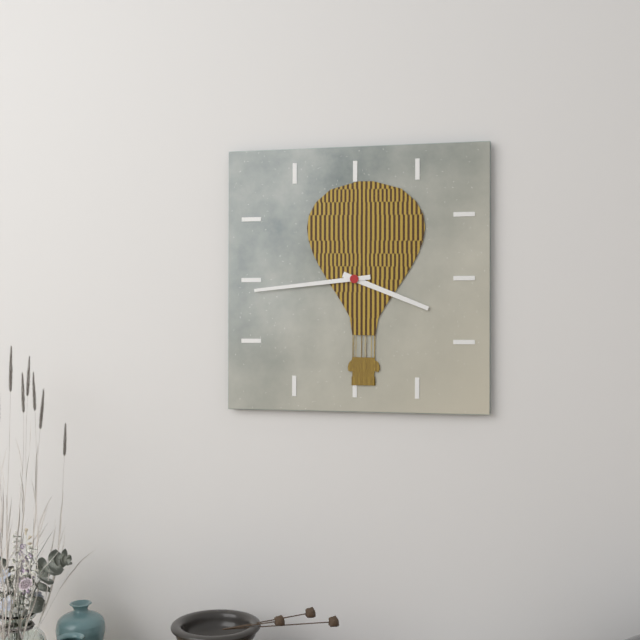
3:44
